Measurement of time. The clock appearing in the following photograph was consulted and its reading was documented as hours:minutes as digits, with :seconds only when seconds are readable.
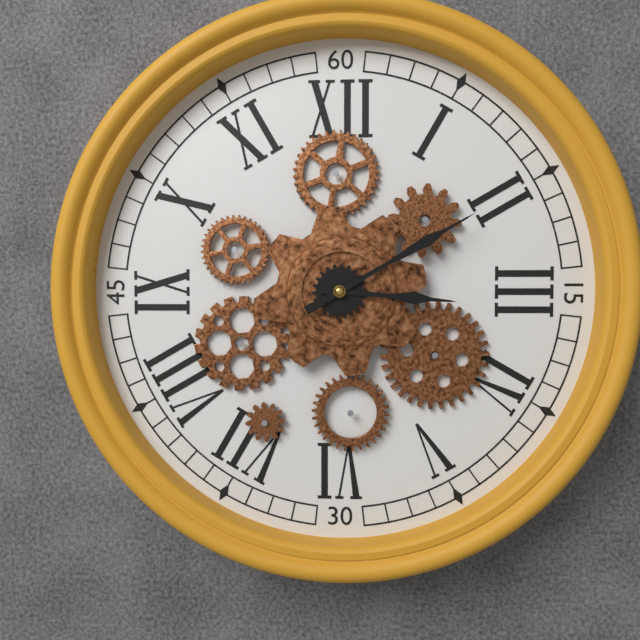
3:10
